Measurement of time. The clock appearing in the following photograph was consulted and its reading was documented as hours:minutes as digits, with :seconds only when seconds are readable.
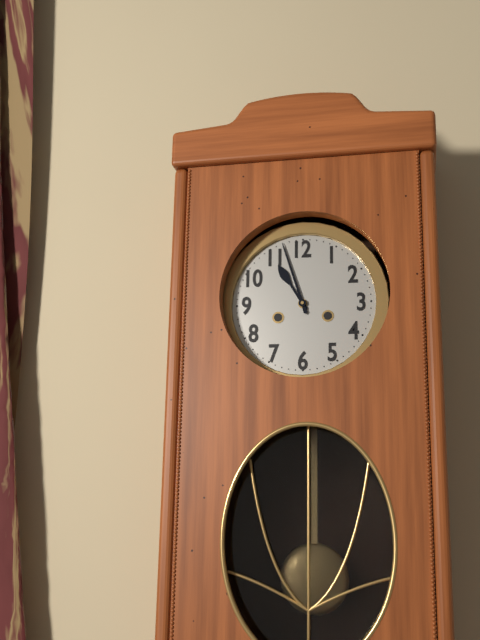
10:57
